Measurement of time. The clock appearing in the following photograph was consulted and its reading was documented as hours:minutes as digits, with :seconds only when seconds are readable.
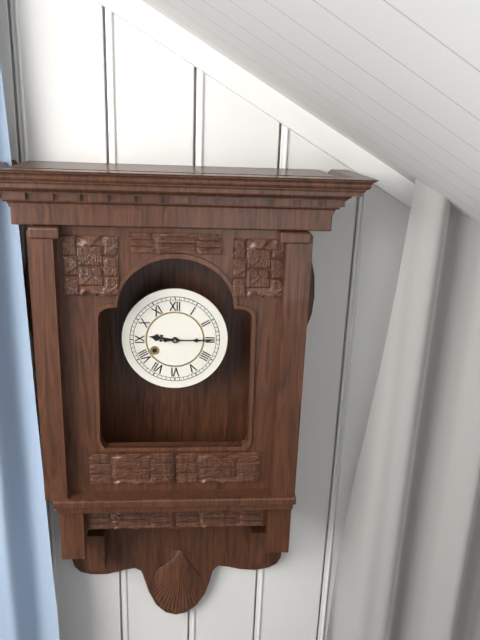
9:15
